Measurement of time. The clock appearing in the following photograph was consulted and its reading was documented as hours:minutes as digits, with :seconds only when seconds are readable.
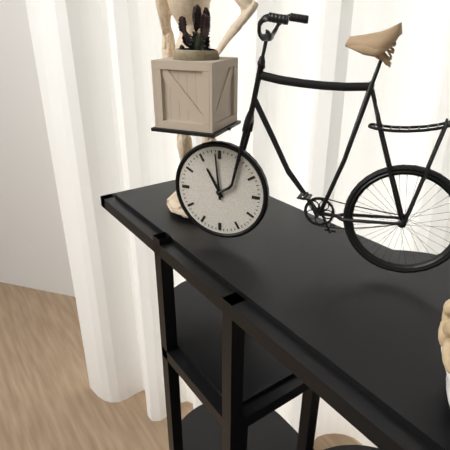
10:59
